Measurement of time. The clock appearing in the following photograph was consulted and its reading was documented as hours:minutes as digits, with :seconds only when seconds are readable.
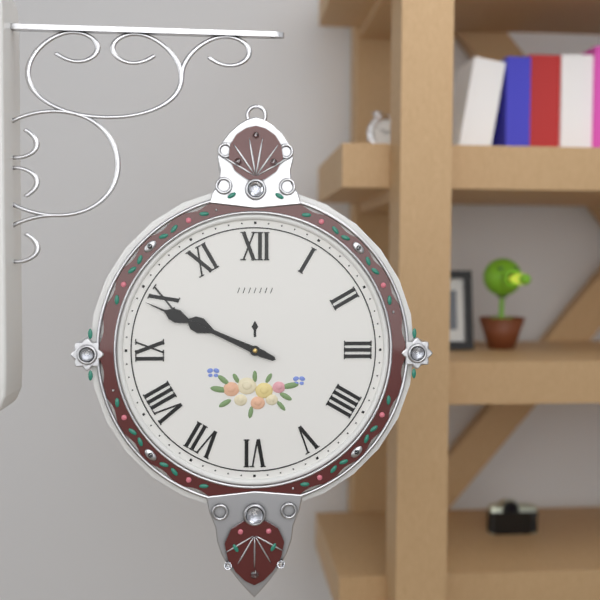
9:49
